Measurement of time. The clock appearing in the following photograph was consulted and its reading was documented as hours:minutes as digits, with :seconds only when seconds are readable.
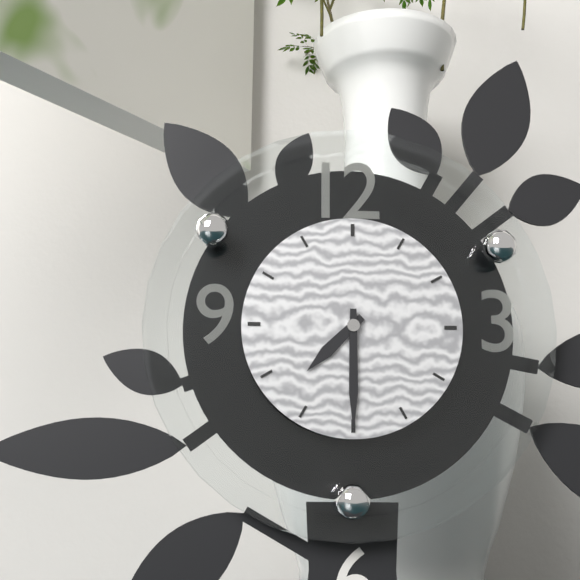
7:30
